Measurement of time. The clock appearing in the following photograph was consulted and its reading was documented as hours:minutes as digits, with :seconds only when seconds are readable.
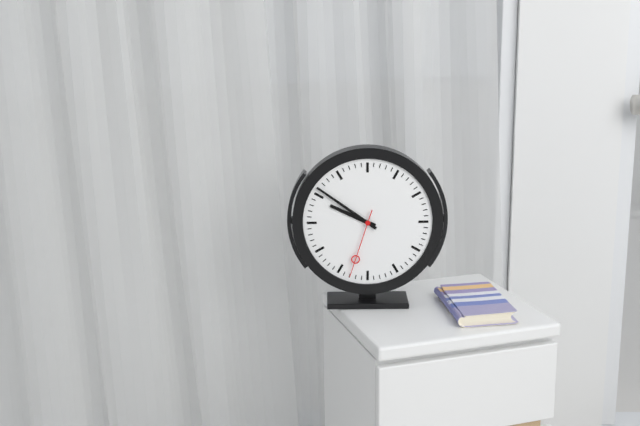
9:51:33
